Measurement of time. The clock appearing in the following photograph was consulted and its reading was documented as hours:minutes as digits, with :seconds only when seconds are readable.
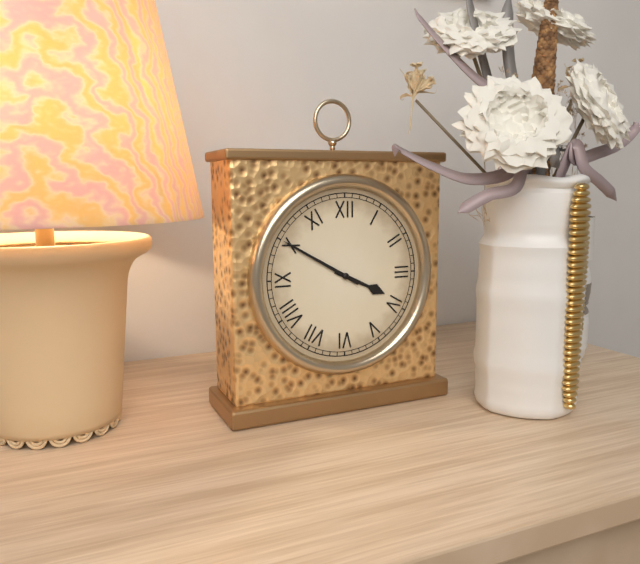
3:50
